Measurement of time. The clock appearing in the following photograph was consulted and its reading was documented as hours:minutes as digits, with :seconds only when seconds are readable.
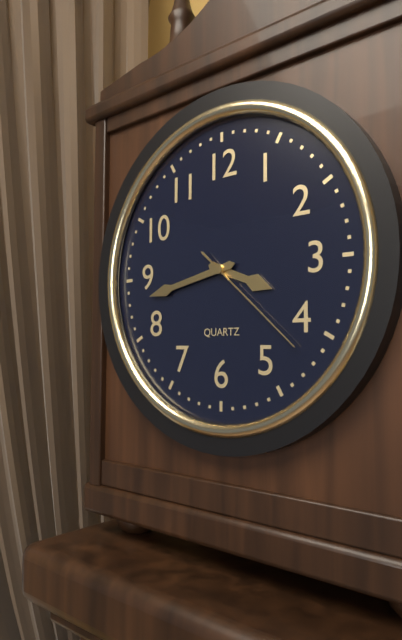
3:43:22
